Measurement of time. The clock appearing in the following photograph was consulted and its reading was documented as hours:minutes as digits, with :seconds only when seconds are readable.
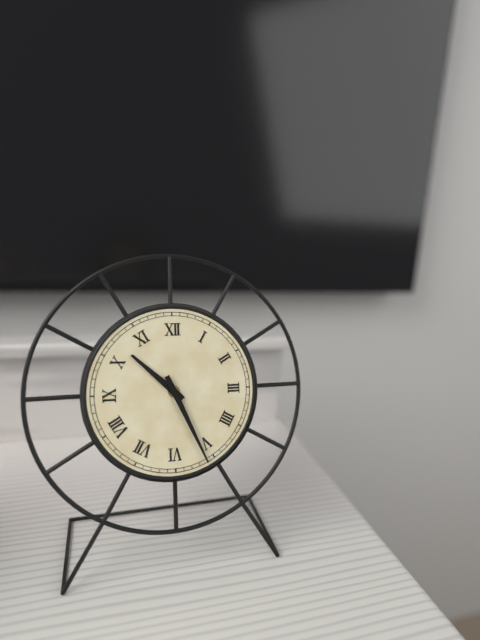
10:26
